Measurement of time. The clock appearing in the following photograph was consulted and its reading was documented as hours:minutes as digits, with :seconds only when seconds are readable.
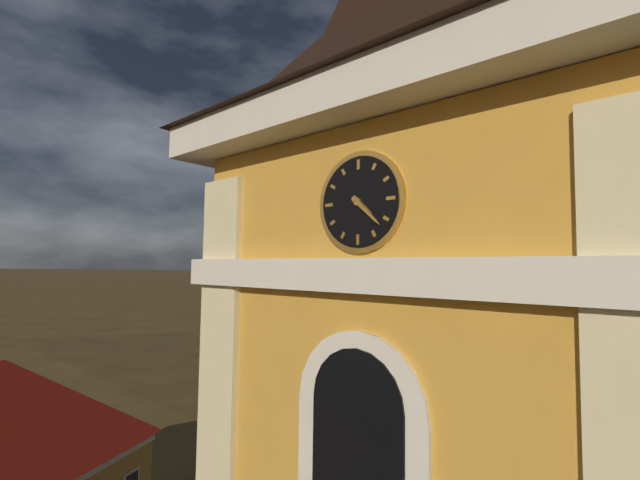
4:22
